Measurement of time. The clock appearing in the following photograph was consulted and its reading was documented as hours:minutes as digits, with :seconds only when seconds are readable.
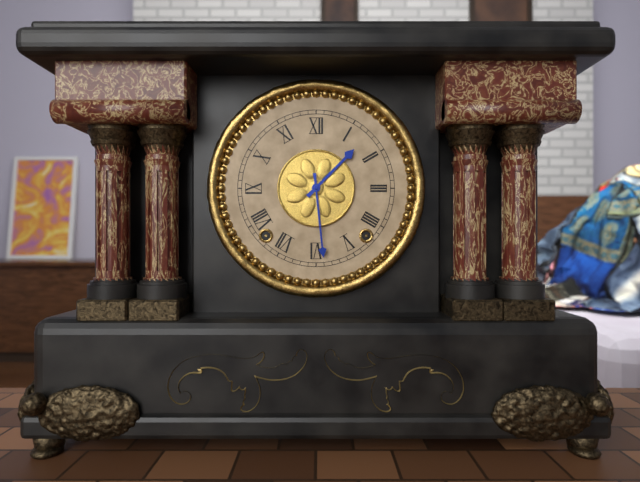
1:29
